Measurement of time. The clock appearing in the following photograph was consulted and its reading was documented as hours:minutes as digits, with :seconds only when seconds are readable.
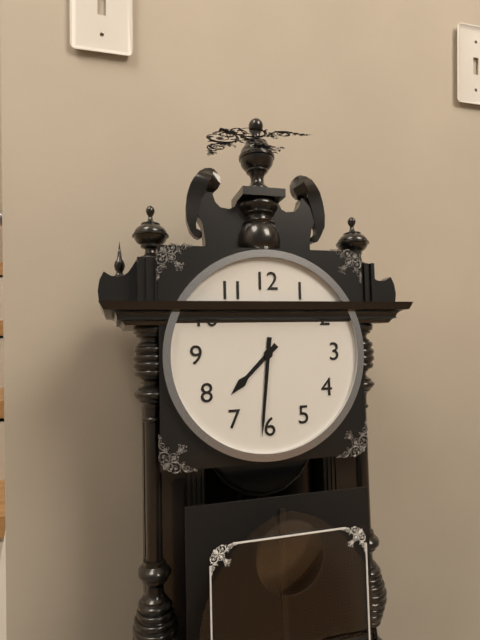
7:31
